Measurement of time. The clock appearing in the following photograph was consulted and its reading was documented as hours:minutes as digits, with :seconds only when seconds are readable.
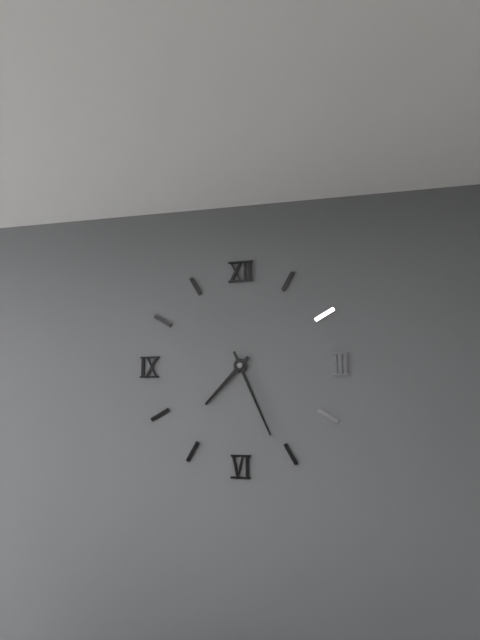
7:26
